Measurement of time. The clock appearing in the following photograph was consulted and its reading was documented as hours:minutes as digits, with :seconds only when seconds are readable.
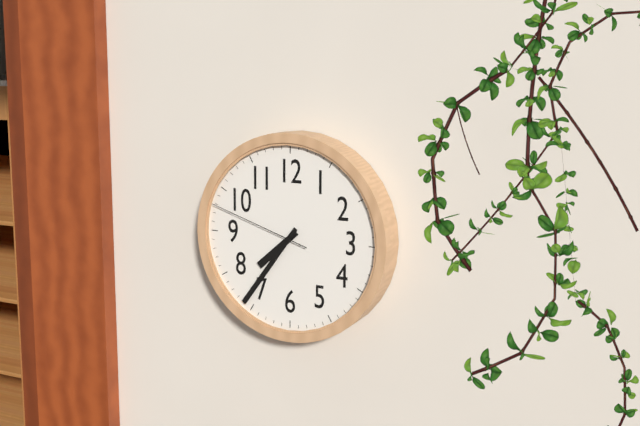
7:36:48
